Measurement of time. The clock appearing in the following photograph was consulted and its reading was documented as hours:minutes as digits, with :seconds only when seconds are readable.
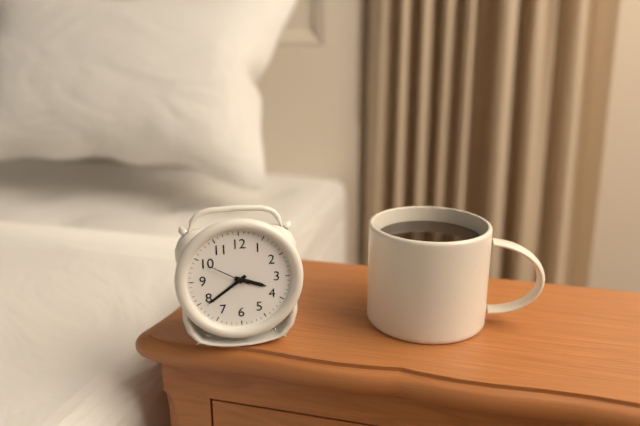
3:39
